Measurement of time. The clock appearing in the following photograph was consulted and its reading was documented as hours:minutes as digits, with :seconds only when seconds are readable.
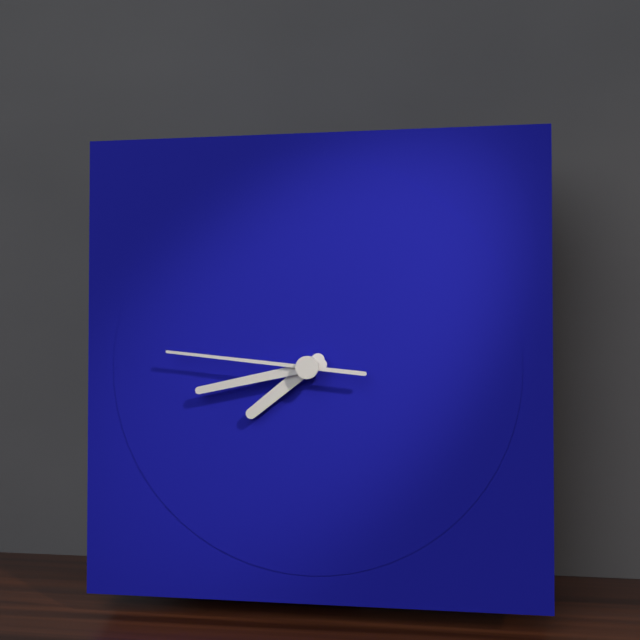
7:43:46
